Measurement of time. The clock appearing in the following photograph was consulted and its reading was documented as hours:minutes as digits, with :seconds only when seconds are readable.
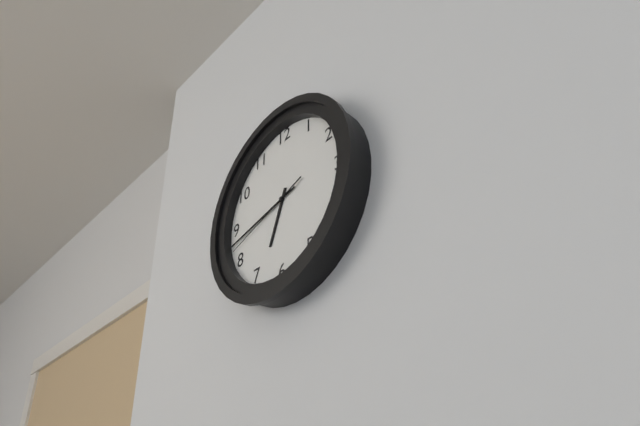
6:43:42
